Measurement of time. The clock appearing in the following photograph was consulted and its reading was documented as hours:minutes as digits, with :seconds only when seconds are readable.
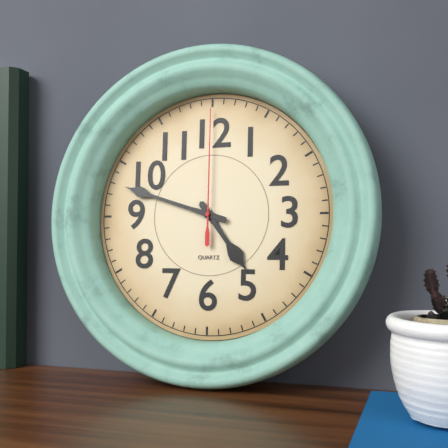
4:48:00
